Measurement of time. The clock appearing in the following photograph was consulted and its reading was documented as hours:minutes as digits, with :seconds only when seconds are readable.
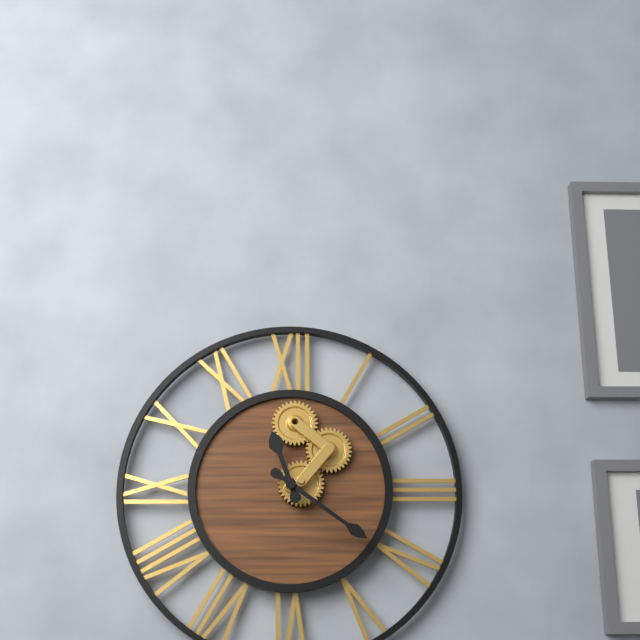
11:21
